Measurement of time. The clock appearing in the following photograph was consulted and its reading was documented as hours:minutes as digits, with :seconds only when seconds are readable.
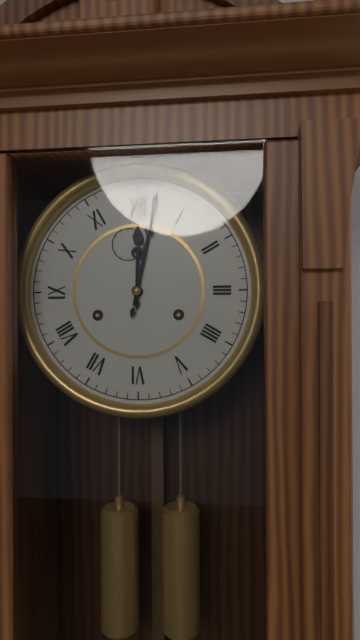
12:02
